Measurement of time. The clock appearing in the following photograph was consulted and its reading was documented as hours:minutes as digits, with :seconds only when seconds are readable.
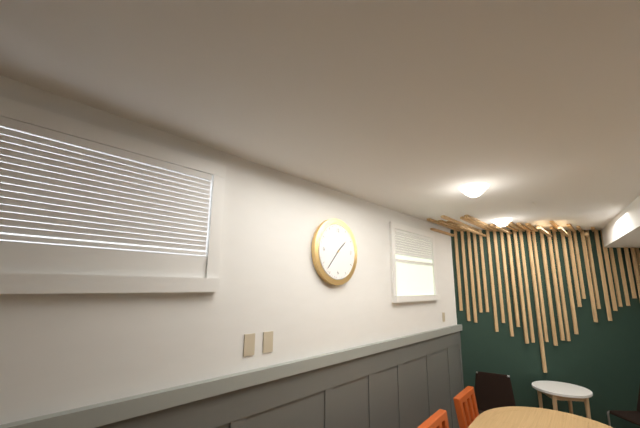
1:37
